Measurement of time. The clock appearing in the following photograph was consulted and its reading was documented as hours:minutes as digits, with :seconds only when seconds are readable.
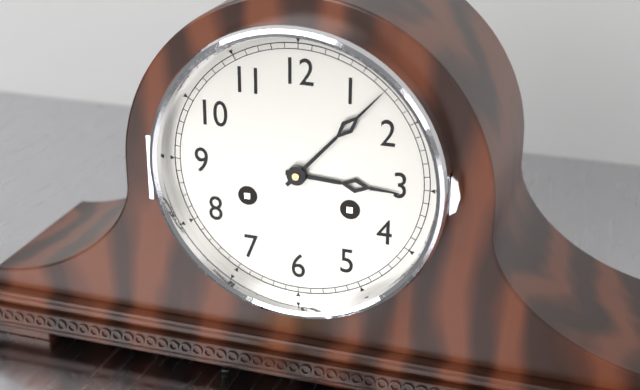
3:07
